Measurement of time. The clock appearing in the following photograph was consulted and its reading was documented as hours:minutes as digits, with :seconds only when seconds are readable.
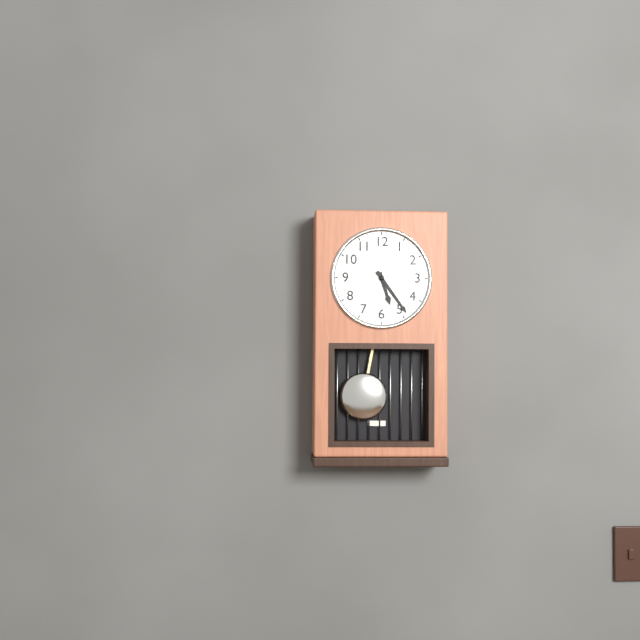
5:24
